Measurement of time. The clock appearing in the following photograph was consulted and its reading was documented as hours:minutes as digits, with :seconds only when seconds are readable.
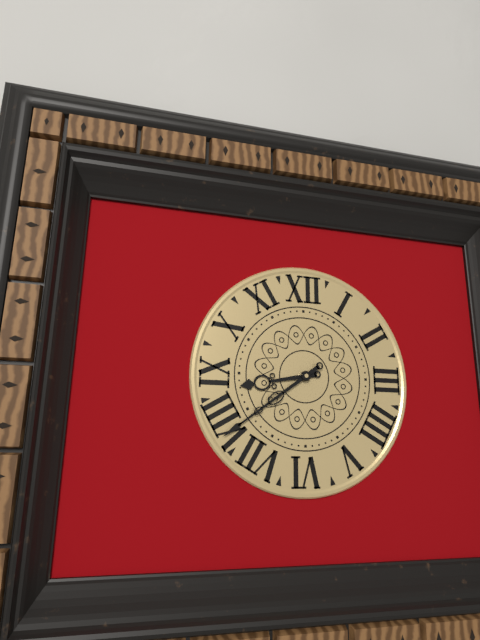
8:39
